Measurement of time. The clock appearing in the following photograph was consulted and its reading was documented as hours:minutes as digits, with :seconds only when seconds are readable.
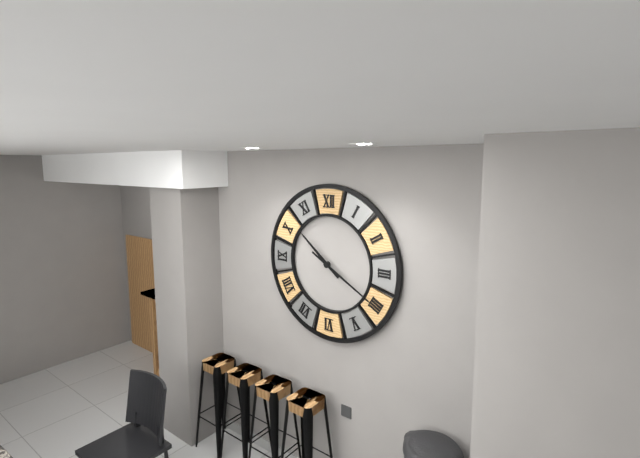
10:20
